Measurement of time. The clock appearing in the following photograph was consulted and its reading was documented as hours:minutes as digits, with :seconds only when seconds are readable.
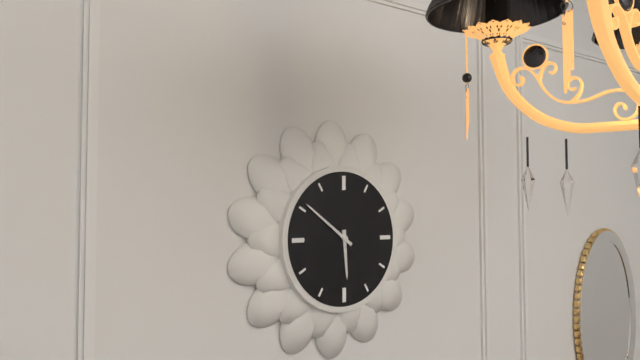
5:51
